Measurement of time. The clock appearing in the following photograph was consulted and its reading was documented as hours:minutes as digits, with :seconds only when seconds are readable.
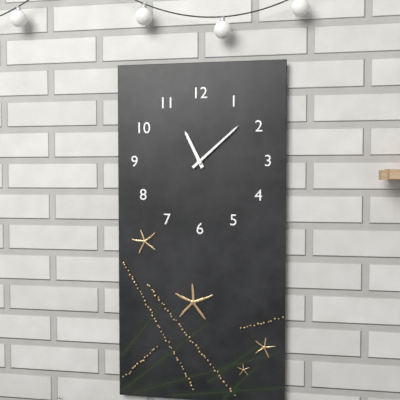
11:08
